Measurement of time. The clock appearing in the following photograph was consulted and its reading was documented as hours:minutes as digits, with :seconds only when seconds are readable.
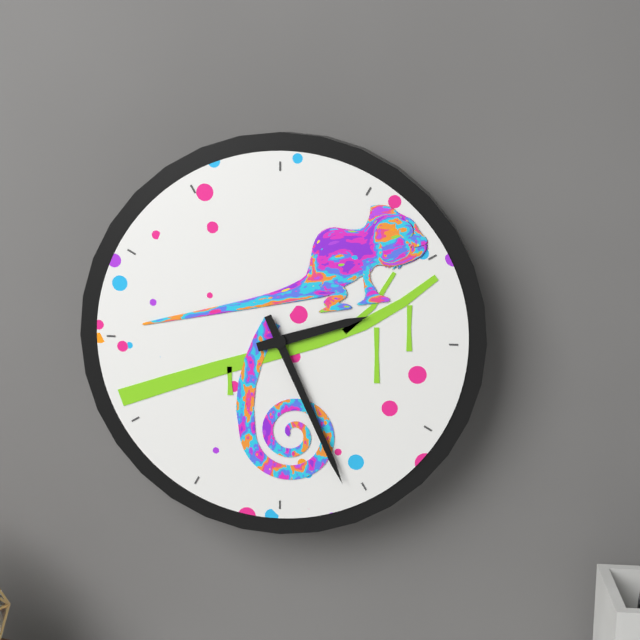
2:26
